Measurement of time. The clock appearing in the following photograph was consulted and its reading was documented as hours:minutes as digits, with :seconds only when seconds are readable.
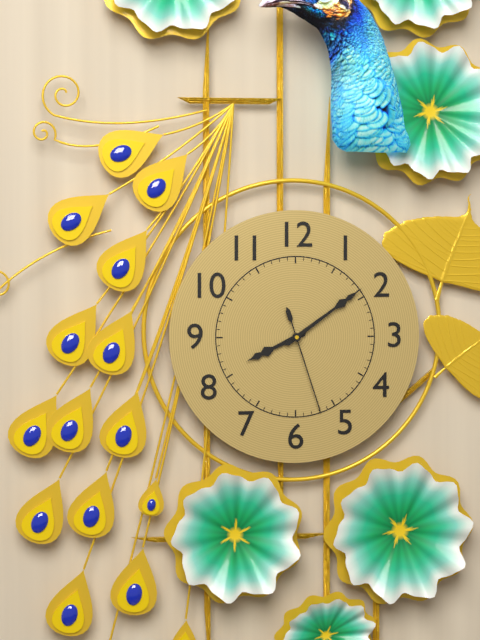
8:09:27
